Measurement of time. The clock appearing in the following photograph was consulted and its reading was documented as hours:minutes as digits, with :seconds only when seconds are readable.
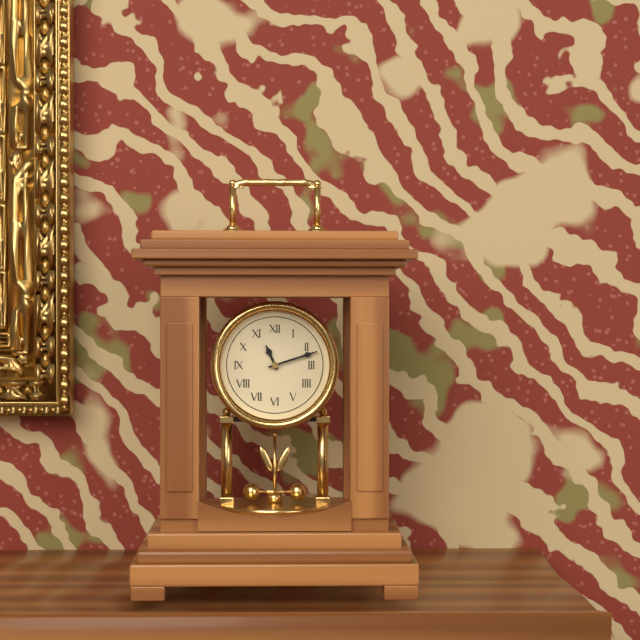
11:12
